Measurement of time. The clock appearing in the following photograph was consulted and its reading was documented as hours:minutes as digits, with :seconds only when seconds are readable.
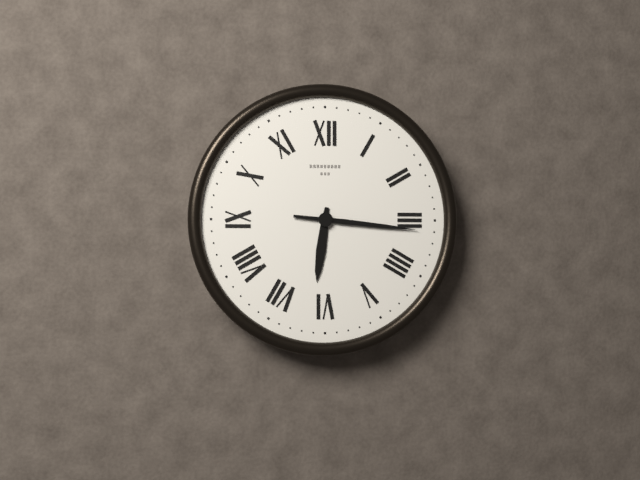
6:16
